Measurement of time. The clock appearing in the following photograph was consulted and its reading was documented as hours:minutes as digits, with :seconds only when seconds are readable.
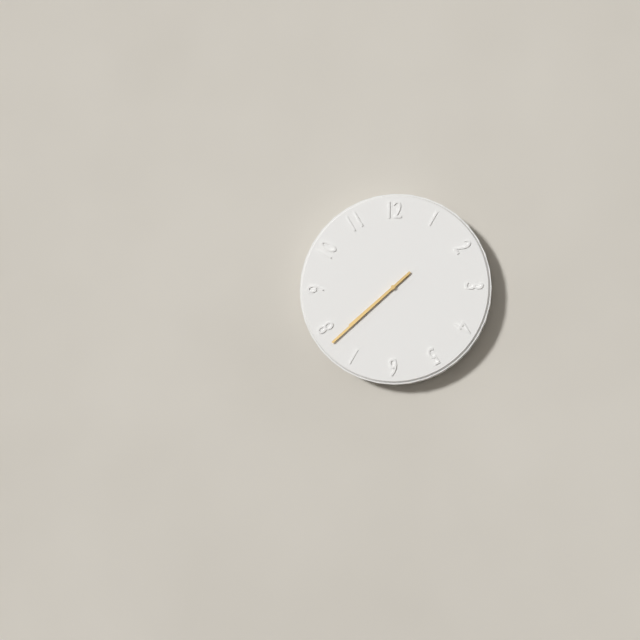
7:38
